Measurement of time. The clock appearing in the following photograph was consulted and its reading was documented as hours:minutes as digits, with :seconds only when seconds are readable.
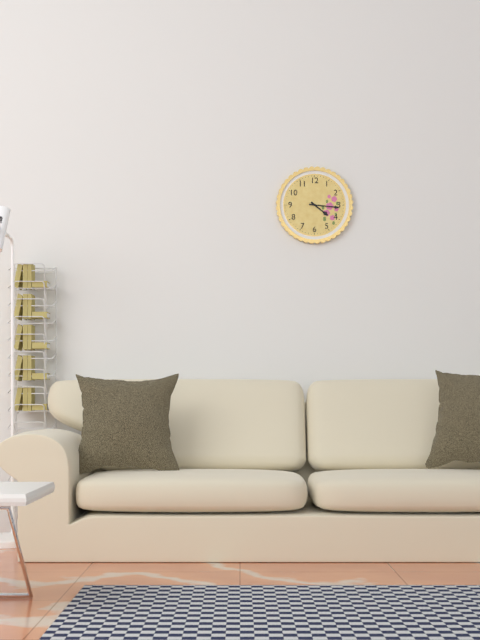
4:16
